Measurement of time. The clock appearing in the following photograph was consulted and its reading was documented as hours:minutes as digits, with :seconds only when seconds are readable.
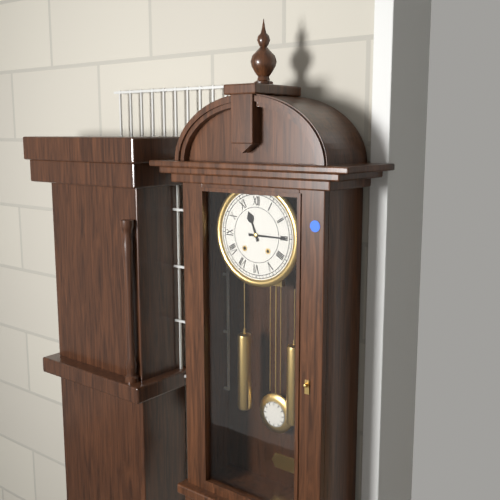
11:15
